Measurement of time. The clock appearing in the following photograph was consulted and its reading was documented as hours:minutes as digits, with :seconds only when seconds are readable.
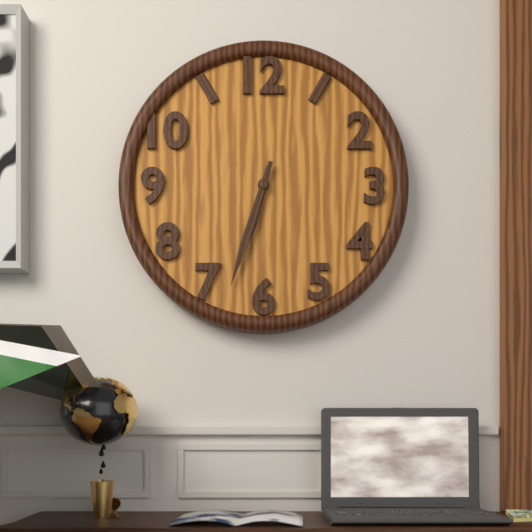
6:33
